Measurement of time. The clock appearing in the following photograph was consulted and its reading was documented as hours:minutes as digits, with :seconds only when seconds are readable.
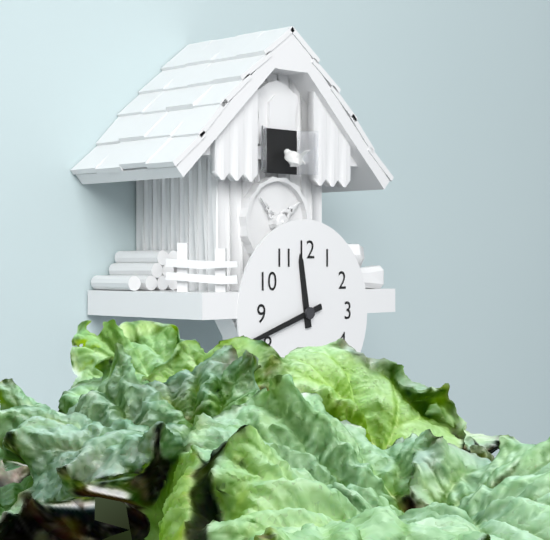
11:42
